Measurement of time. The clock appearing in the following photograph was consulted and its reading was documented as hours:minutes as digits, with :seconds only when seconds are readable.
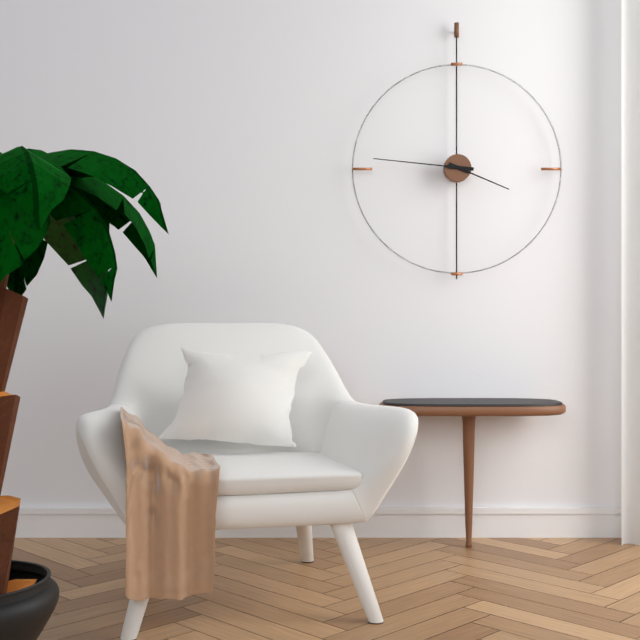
3:46
